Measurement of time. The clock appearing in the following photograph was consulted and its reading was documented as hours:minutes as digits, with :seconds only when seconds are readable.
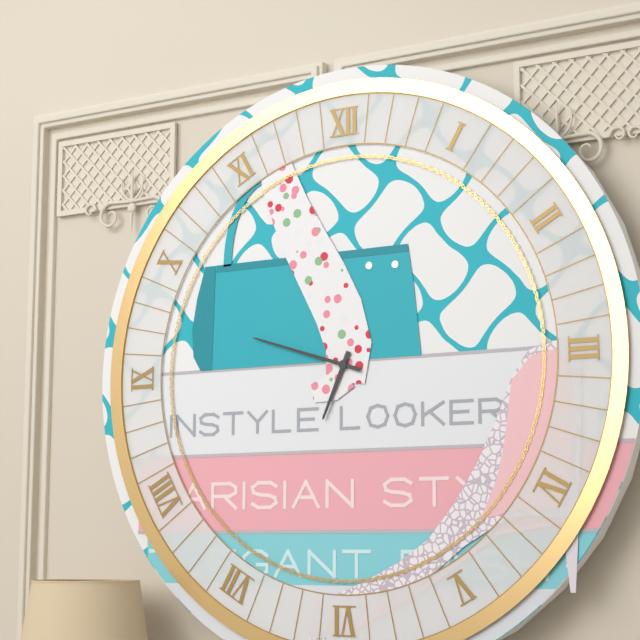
6:48
